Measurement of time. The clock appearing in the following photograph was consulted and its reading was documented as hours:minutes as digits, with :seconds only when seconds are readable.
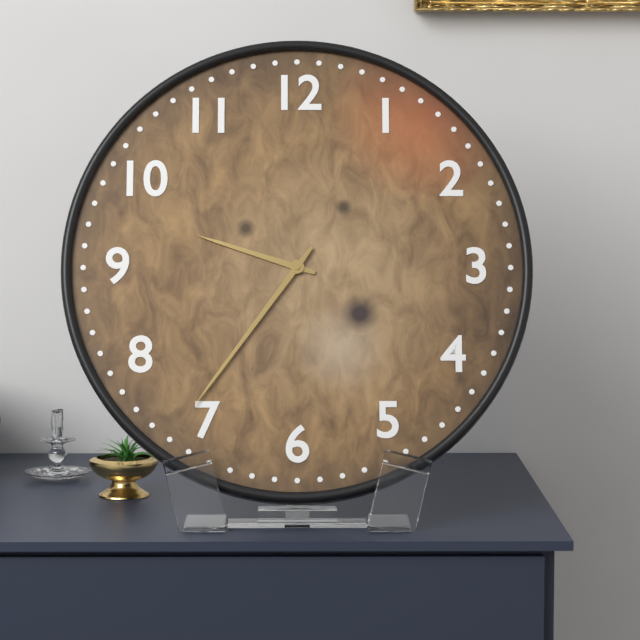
9:36
